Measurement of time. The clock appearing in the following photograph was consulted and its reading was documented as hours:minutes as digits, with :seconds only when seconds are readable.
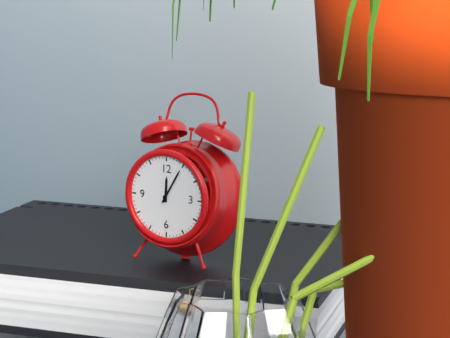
12:05
